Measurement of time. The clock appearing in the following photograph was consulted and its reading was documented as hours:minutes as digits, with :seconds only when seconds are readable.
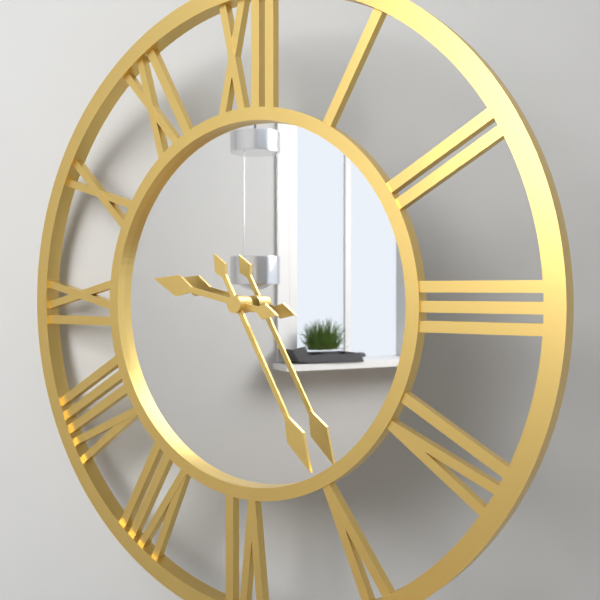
9:25
